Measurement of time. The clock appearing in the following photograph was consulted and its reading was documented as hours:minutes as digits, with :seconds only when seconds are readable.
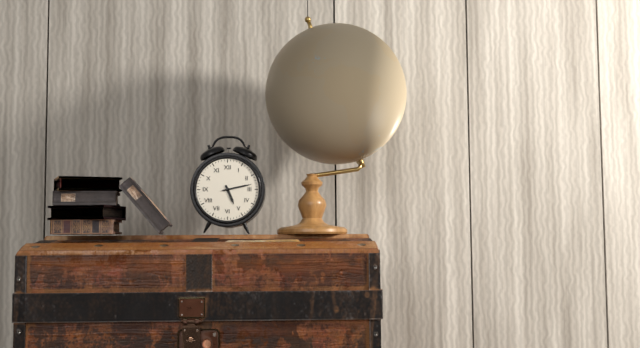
5:13
